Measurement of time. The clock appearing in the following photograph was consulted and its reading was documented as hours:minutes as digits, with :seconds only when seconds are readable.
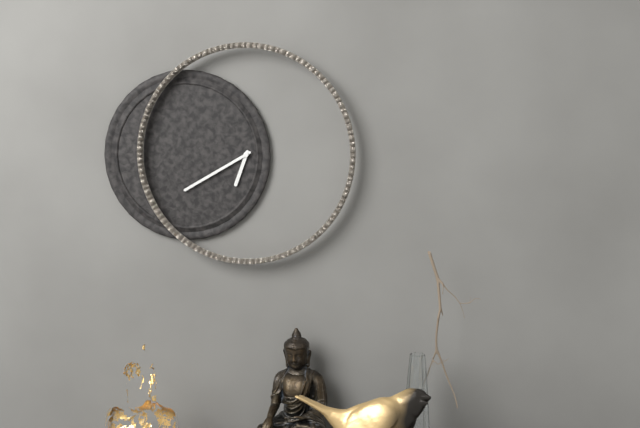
6:40
